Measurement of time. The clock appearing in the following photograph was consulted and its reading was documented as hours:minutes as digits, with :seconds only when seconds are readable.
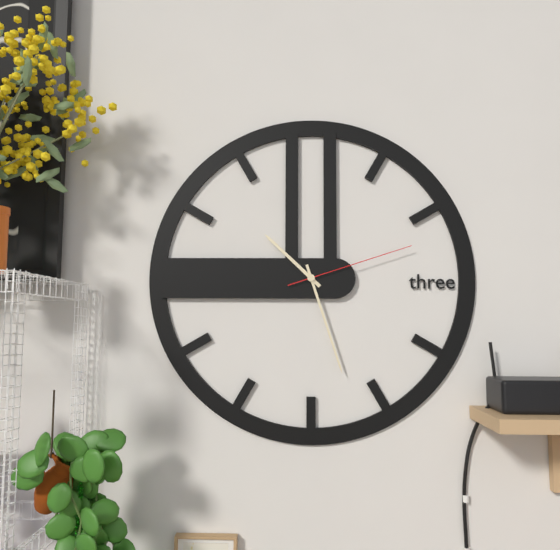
10:27:12
